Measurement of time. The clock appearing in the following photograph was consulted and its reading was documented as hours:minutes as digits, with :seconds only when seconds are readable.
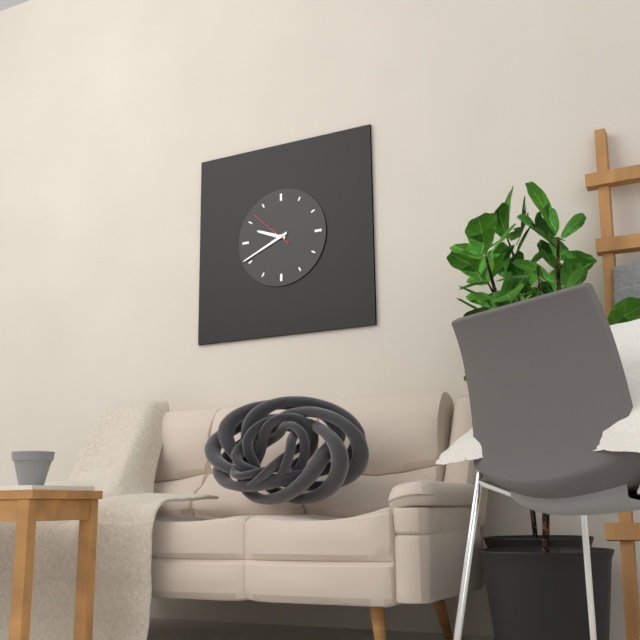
9:41
